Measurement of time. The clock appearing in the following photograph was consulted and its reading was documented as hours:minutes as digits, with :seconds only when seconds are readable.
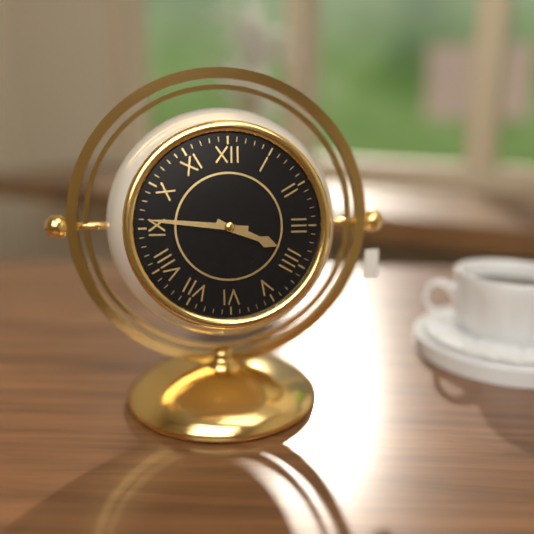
3:46
